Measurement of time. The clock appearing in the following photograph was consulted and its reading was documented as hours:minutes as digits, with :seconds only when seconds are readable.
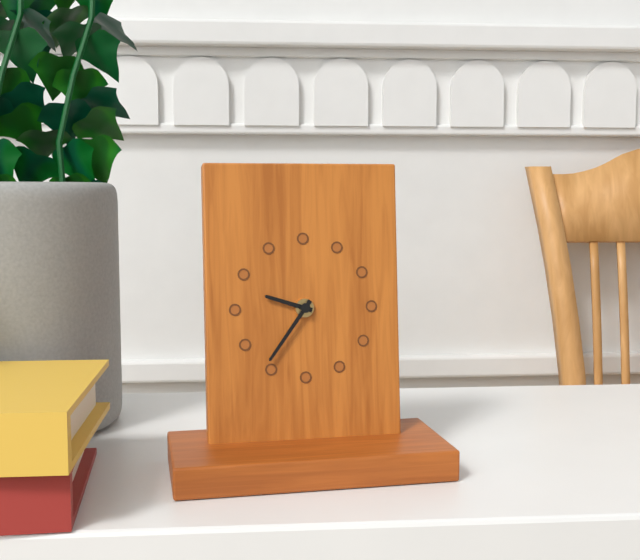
9:36
